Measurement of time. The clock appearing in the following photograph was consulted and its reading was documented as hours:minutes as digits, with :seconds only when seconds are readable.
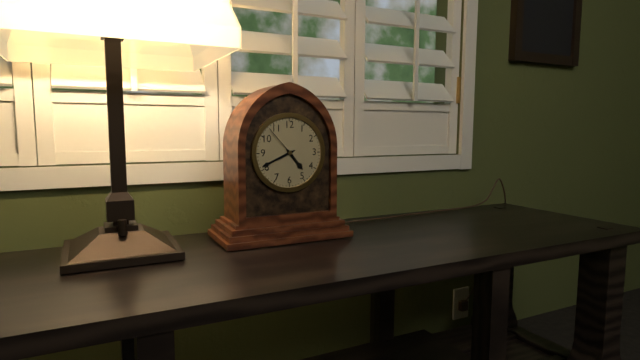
4:41
